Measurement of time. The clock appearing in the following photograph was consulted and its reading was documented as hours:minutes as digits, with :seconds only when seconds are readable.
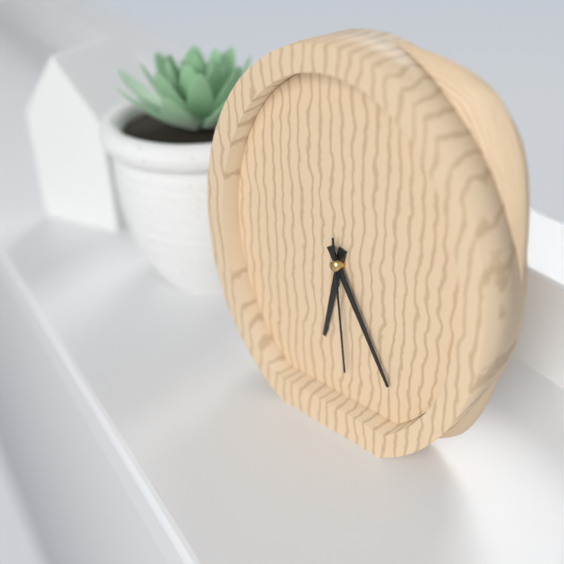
6:25:29
